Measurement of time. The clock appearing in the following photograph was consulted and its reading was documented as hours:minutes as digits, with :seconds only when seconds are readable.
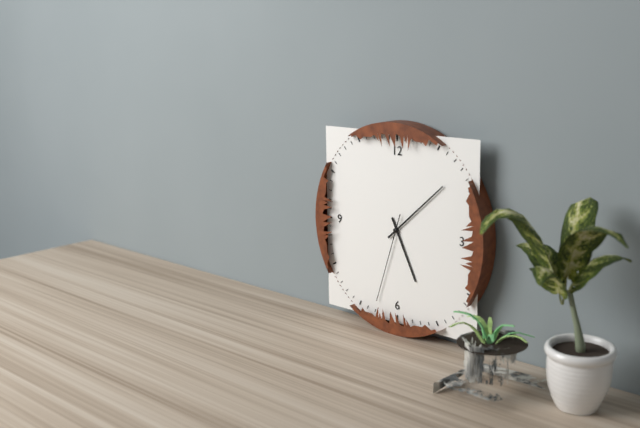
5:08:33
